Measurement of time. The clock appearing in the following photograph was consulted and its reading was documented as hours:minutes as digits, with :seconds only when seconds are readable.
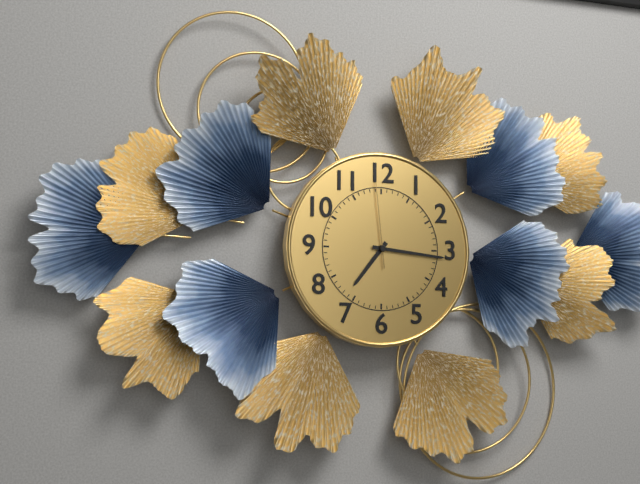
7:16:59
